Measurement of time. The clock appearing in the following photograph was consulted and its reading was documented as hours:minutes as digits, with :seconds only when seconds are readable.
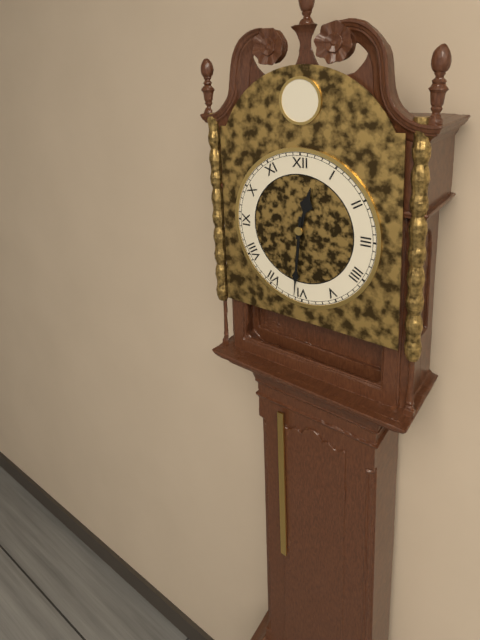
12:31
